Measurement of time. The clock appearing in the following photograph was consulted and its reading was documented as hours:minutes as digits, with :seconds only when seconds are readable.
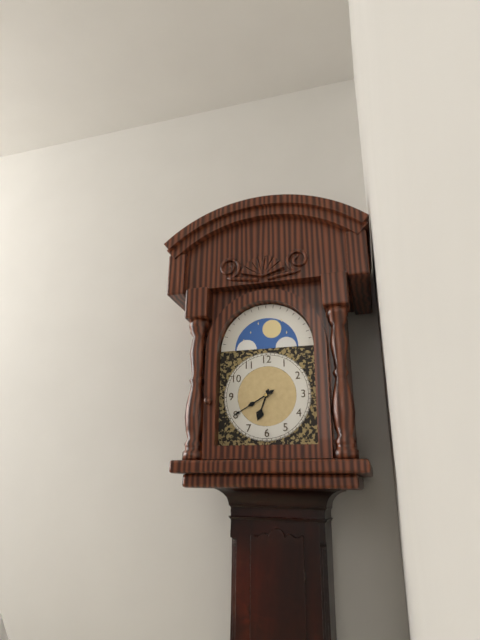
6:40
